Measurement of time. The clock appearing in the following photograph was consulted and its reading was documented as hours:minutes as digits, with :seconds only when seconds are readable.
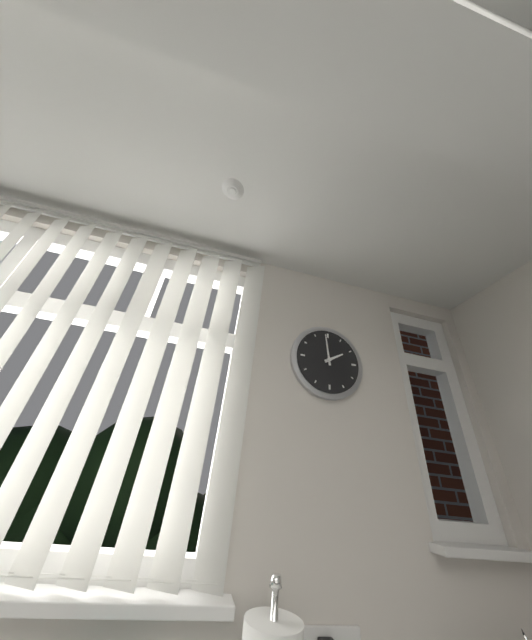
1:59
